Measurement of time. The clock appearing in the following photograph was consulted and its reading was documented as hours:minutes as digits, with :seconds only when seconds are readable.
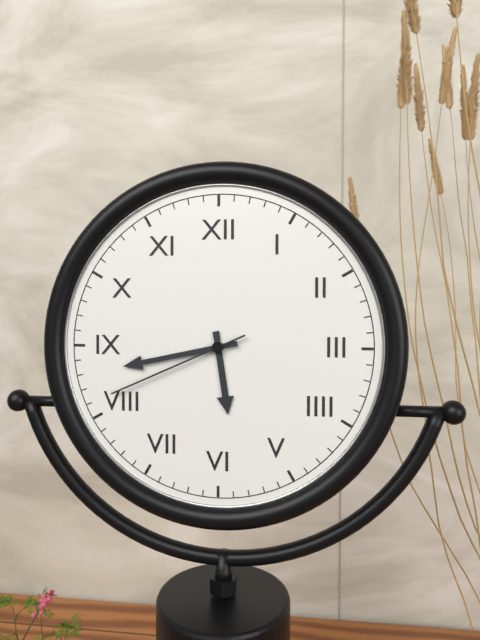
5:43:41
